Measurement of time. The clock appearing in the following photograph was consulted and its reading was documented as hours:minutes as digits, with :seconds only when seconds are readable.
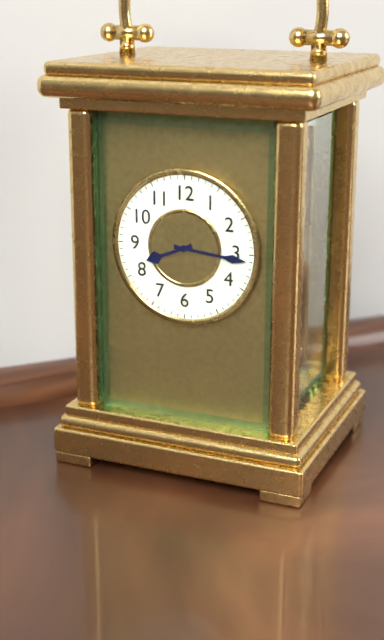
8:16
